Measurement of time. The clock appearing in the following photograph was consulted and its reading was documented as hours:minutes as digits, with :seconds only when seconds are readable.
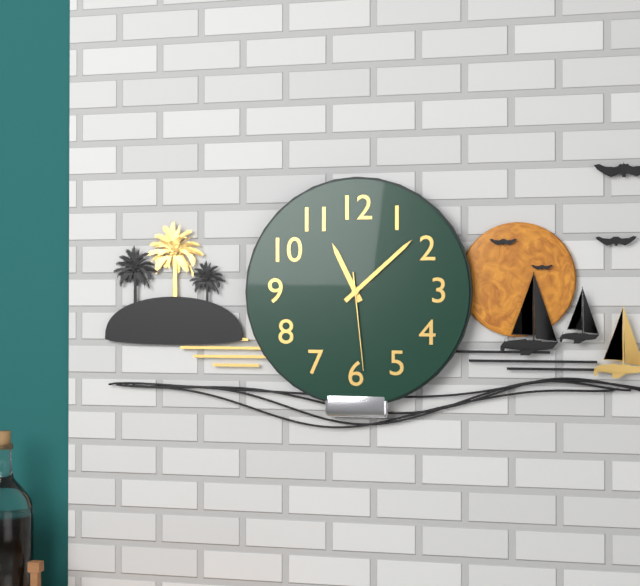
11:08:29
